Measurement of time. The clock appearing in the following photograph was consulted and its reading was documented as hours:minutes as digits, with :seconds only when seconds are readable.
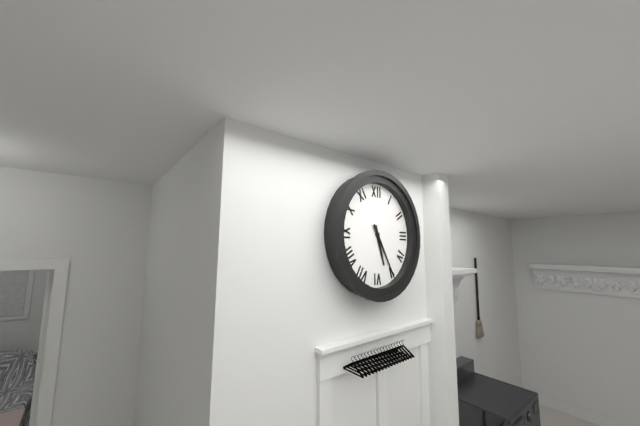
5:25
